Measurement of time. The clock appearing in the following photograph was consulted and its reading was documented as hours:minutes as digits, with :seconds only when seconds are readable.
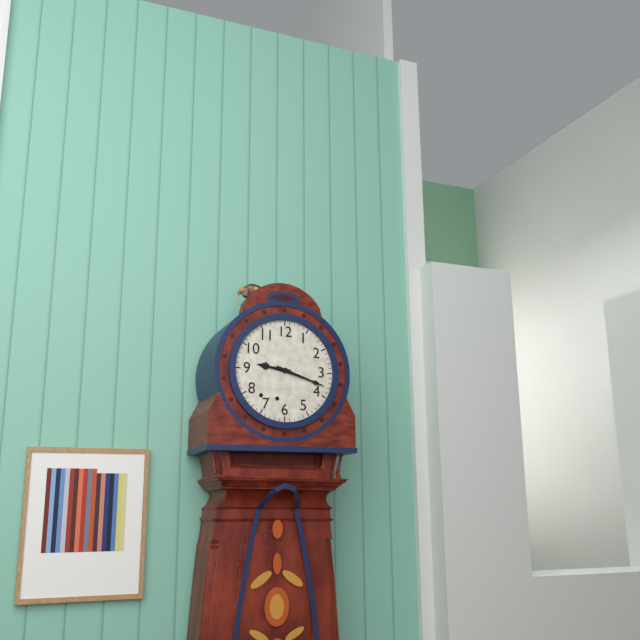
9:18
